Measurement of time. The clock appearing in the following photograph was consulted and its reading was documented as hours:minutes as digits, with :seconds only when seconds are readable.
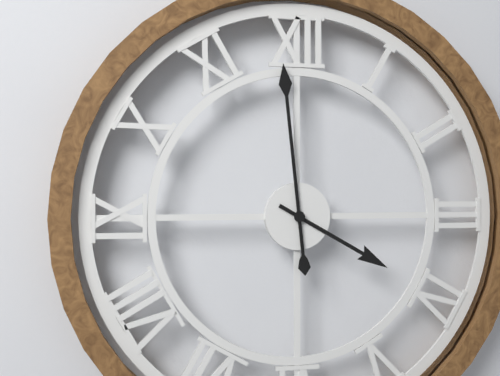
3:59
